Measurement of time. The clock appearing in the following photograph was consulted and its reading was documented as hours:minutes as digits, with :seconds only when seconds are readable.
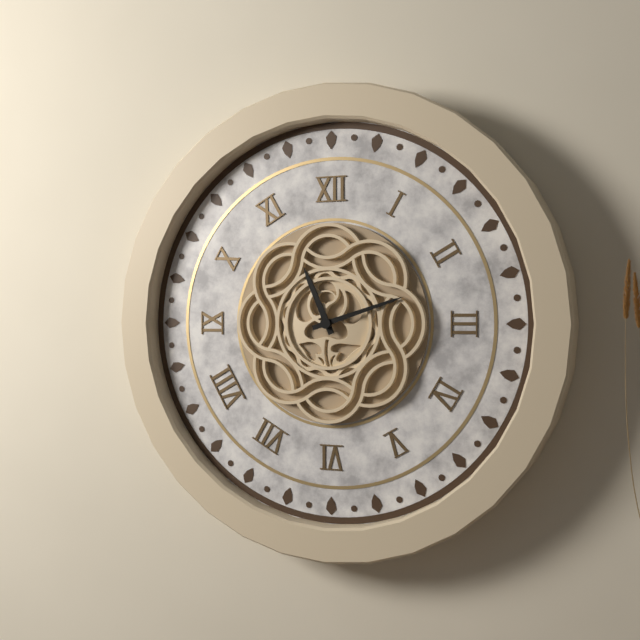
11:12
